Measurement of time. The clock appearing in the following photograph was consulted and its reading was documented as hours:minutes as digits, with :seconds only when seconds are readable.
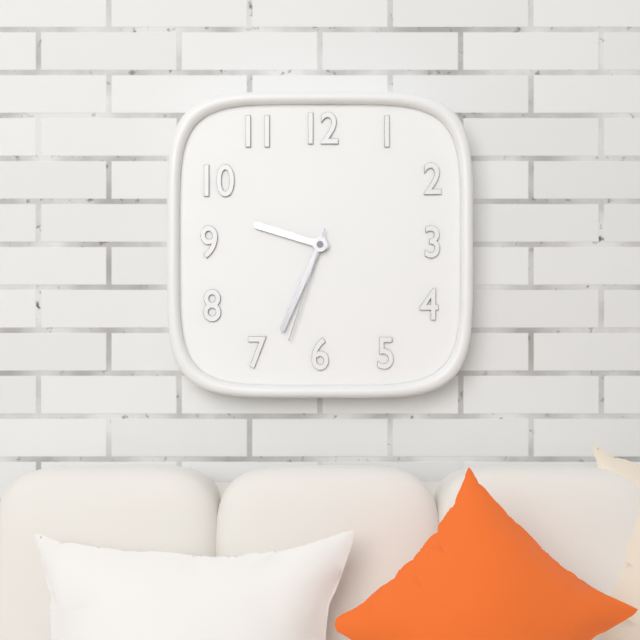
9:34:33
